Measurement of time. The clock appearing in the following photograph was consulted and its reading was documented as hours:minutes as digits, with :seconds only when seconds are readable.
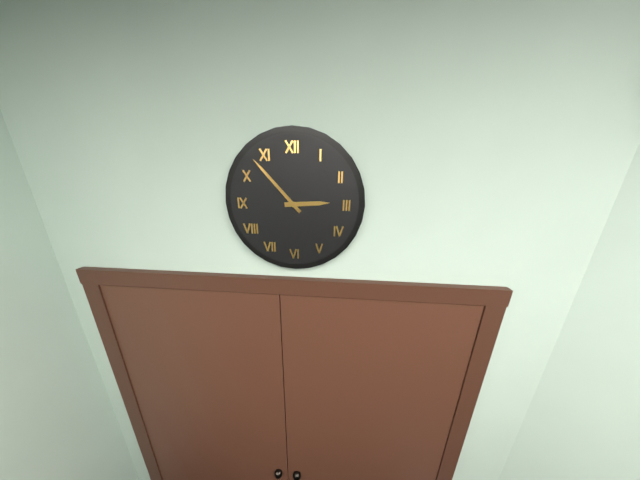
2:53
